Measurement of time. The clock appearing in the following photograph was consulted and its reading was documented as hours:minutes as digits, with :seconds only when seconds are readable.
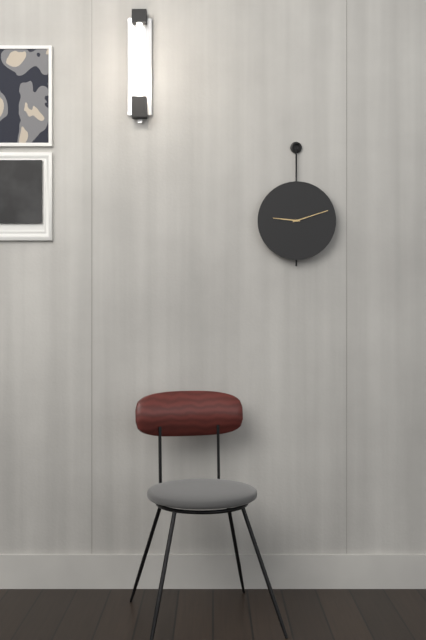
9:12
